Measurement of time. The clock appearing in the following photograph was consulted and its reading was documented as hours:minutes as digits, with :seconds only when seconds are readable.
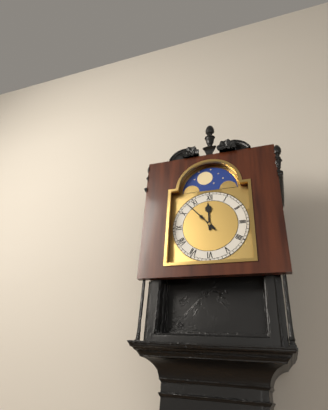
11:53
